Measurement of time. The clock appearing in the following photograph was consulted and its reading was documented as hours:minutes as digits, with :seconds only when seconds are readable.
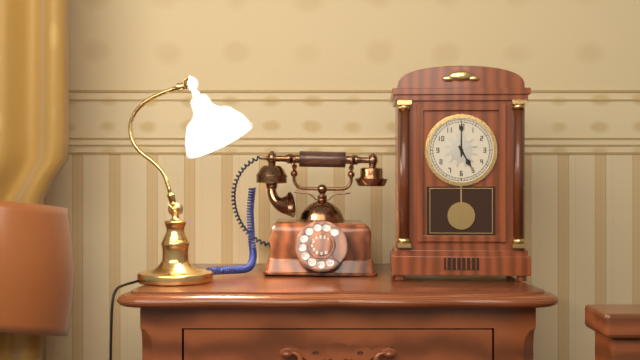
5:00
